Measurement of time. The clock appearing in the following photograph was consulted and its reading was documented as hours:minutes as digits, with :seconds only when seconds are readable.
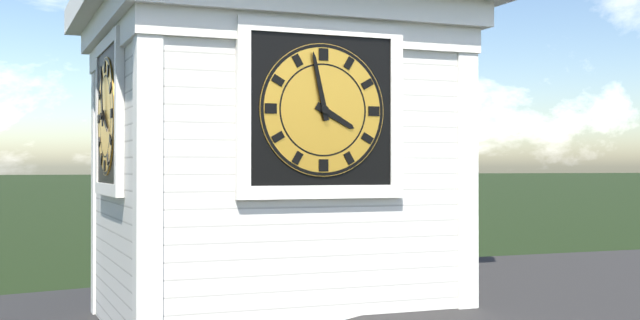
3:58
